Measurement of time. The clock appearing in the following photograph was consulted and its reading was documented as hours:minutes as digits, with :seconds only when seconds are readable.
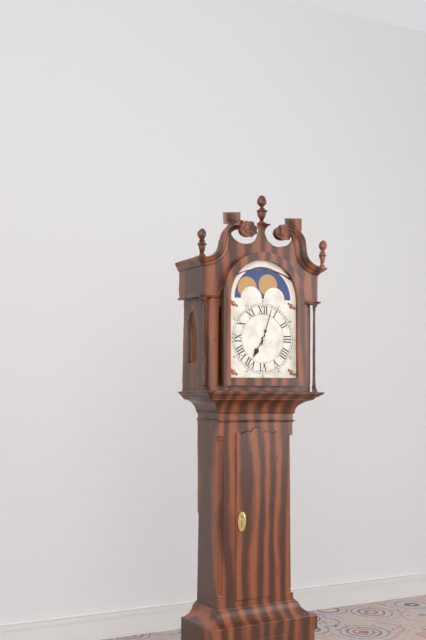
7:03
